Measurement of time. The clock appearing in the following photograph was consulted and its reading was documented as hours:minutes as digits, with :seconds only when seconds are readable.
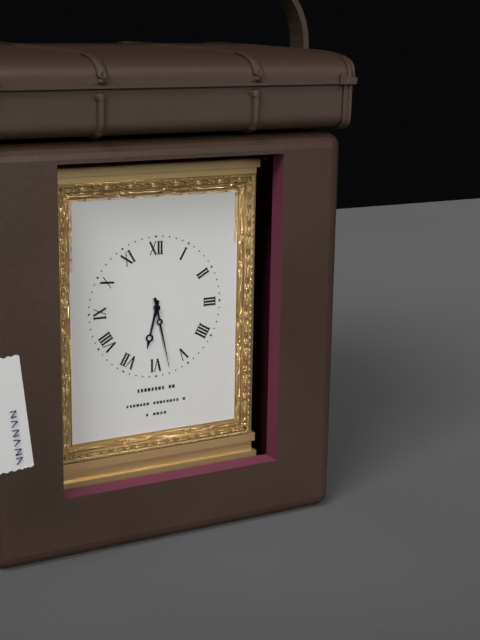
6:28
